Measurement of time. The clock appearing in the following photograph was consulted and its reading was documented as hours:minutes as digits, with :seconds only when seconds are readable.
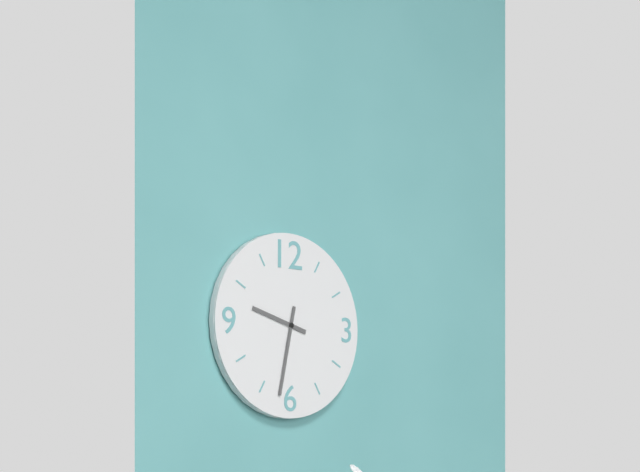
9:32
